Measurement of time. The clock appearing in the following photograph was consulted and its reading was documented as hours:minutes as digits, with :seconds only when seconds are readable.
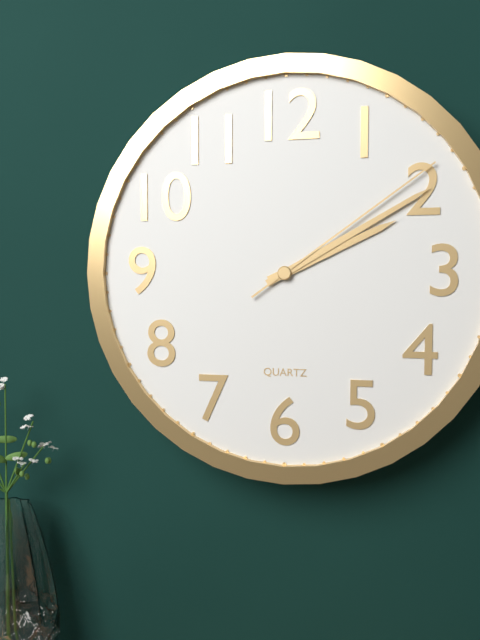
2:10:09
